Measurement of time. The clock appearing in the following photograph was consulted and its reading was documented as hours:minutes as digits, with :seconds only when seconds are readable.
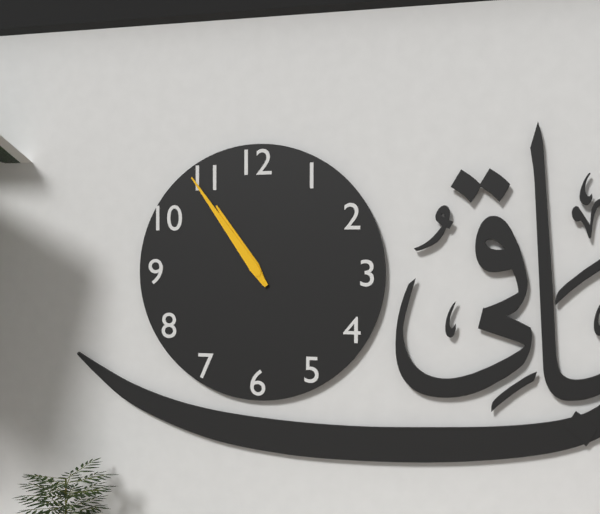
10:54
